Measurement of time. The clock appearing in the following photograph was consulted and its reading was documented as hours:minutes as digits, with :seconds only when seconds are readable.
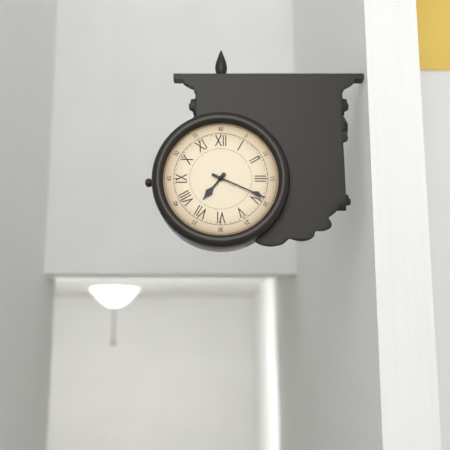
7:19
